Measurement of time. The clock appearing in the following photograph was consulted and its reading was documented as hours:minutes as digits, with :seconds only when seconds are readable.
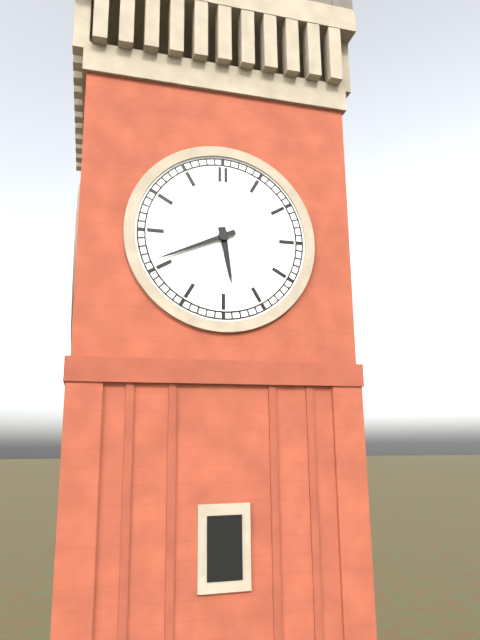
5:41
